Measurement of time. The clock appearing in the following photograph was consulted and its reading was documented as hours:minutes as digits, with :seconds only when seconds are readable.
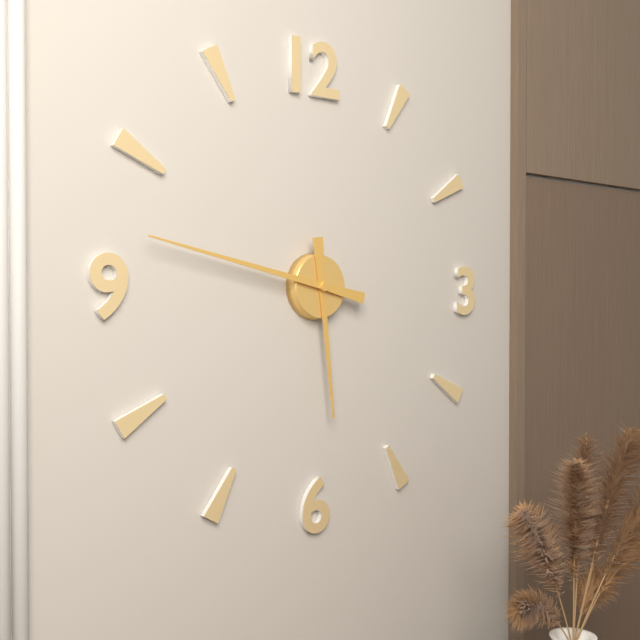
5:47
